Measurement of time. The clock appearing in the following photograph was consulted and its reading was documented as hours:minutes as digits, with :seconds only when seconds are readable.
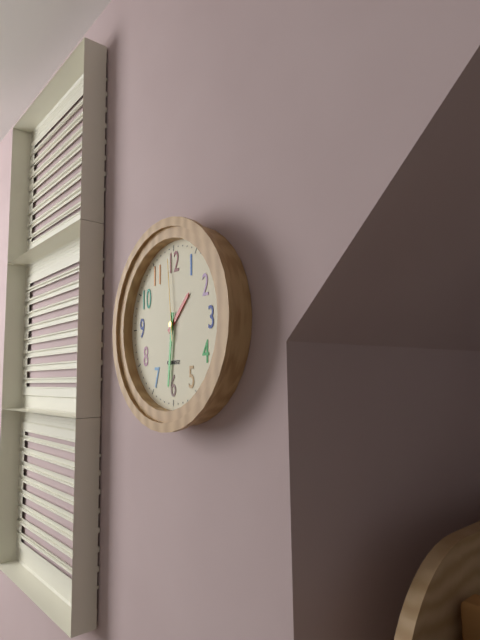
1:31:59
